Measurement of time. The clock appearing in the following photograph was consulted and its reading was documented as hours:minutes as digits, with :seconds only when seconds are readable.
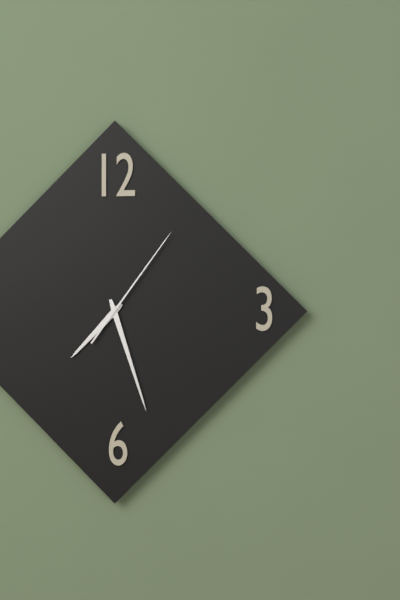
7:27:06
